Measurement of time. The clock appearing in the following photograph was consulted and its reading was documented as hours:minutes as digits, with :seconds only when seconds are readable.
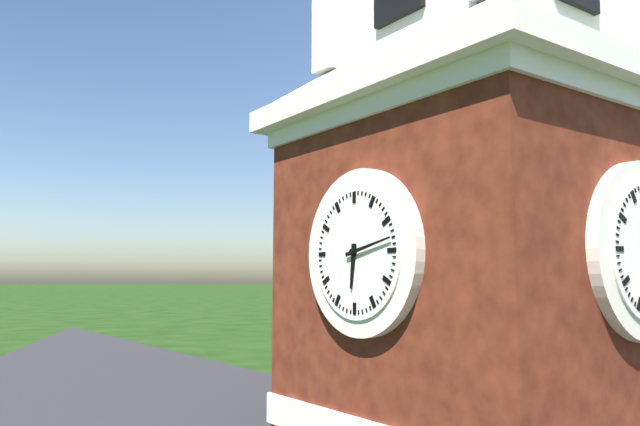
6:13
